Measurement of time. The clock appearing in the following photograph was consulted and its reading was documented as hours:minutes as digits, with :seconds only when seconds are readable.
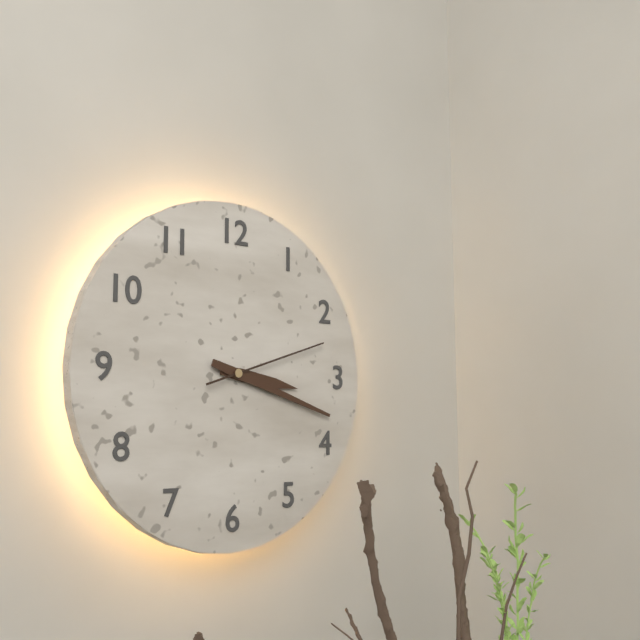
3:18:12
